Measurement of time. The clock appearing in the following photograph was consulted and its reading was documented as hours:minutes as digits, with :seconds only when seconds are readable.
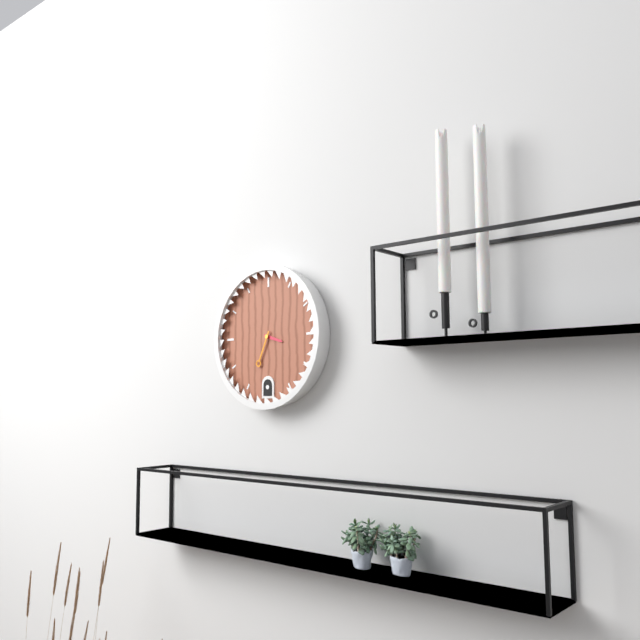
3:34
